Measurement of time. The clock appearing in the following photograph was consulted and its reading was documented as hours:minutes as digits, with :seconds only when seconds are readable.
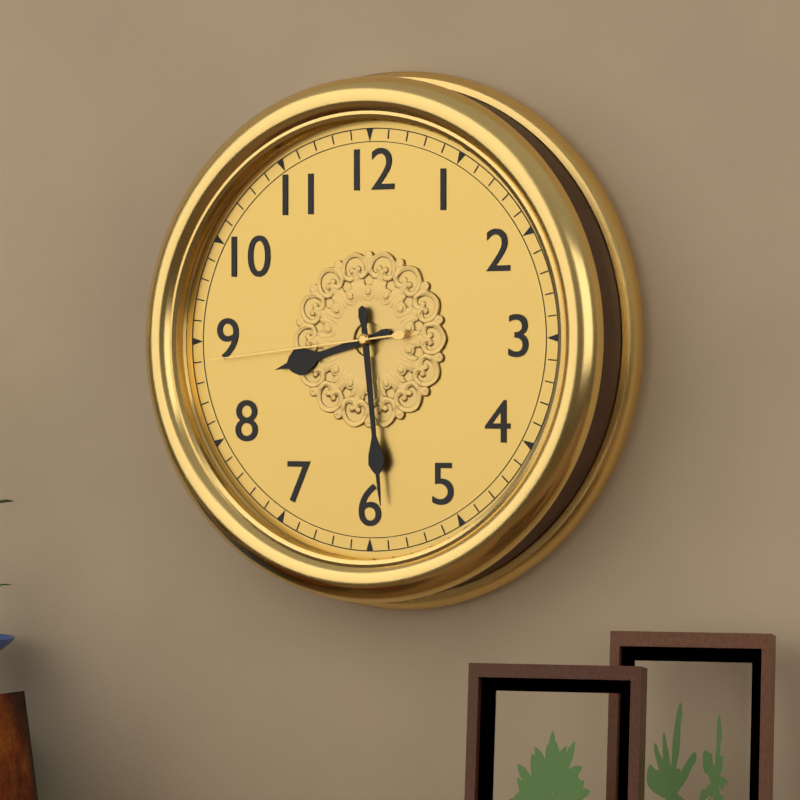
8:29:44
